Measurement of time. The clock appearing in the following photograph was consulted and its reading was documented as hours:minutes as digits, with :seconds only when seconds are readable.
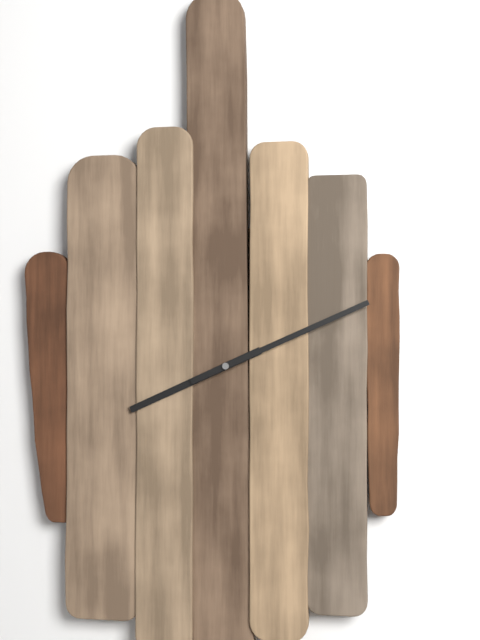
8:11
